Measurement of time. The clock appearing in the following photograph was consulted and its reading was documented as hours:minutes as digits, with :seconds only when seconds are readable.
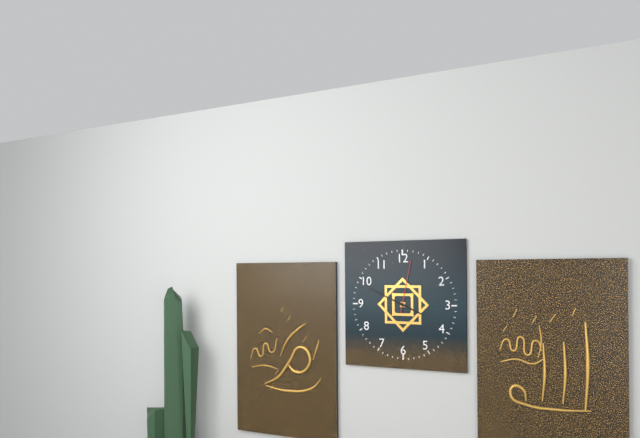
3:49:02
